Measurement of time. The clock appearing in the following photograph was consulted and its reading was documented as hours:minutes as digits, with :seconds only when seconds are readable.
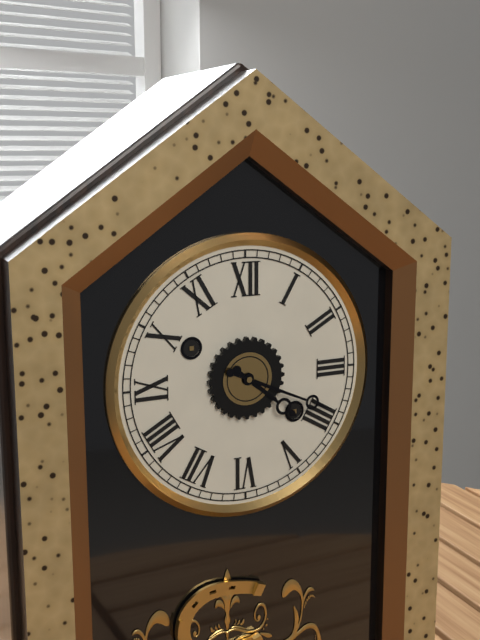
4:19
